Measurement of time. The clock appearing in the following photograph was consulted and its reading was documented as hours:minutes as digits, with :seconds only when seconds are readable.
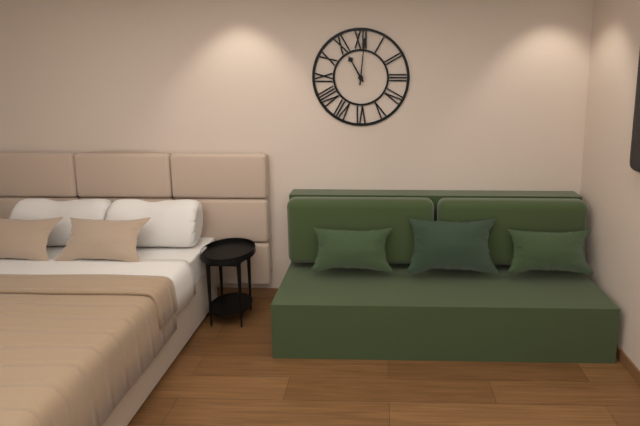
11:01
